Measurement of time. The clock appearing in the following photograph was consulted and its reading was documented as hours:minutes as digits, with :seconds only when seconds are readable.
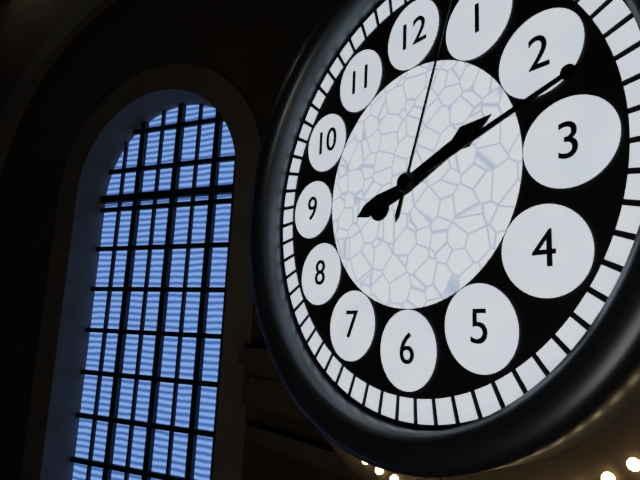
2:12
